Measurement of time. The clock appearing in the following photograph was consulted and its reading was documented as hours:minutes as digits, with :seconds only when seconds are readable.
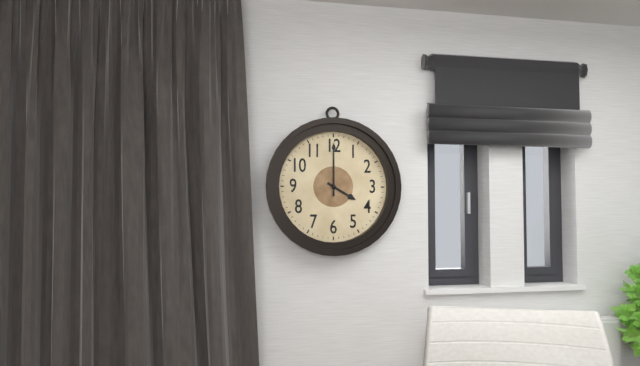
4:00
